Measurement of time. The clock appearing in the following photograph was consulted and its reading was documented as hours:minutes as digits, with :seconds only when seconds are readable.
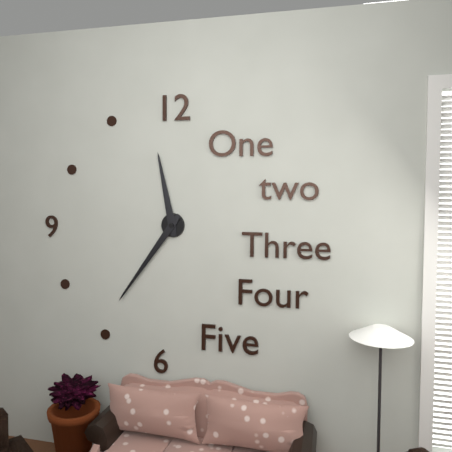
11:36
